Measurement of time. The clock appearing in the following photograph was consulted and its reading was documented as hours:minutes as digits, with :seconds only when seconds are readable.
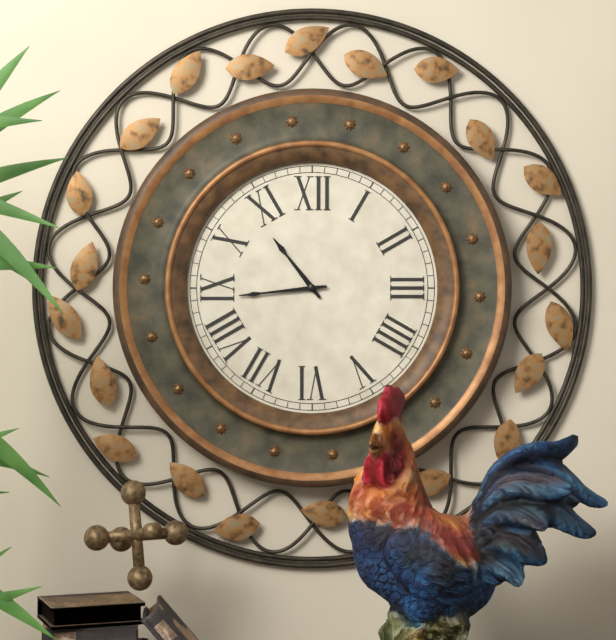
10:44
